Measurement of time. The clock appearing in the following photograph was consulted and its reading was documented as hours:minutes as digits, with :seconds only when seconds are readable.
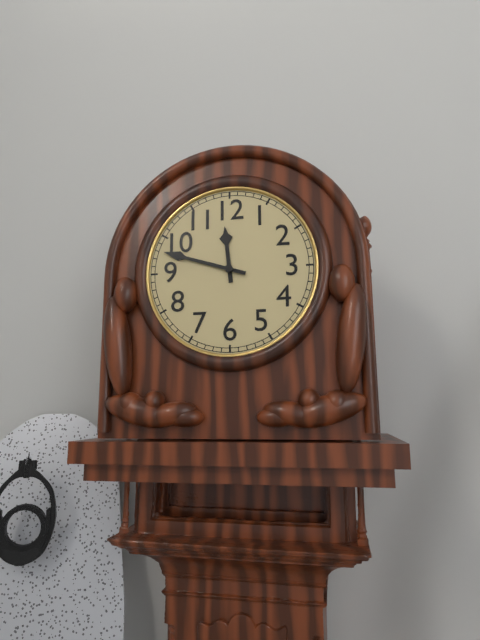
11:48
